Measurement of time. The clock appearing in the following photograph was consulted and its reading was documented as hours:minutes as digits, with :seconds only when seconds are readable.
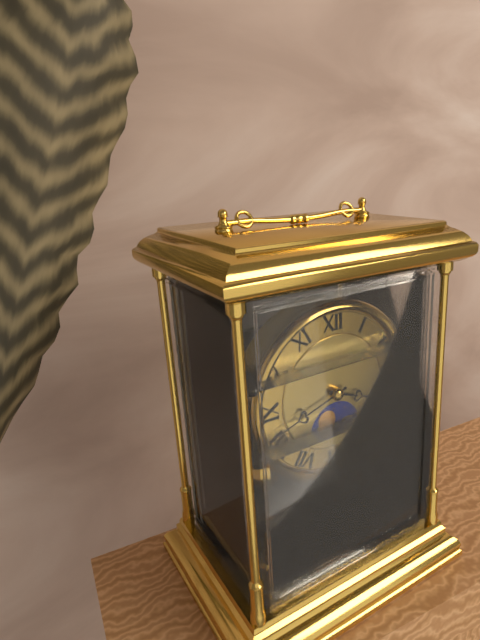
3:42
